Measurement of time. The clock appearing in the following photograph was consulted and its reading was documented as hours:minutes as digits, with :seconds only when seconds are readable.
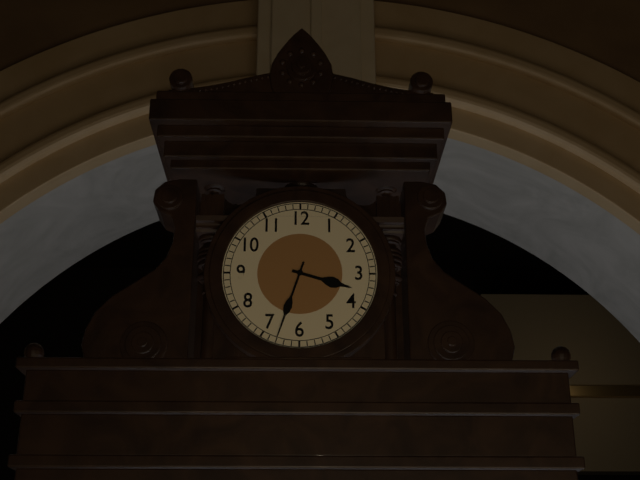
3:33
